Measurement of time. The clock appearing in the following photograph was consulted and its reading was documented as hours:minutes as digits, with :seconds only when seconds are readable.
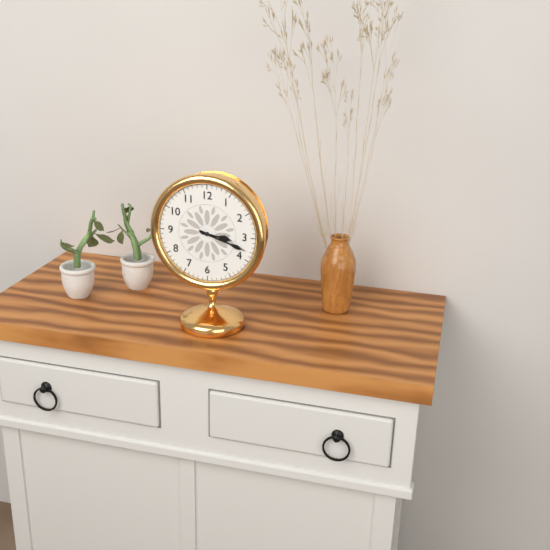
3:18
